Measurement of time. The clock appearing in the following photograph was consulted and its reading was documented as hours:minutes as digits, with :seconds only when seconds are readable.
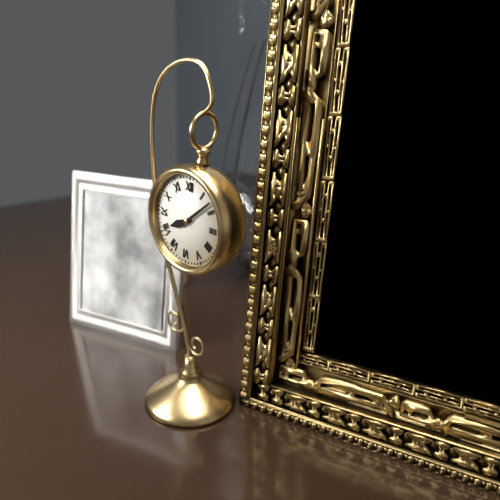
8:08
